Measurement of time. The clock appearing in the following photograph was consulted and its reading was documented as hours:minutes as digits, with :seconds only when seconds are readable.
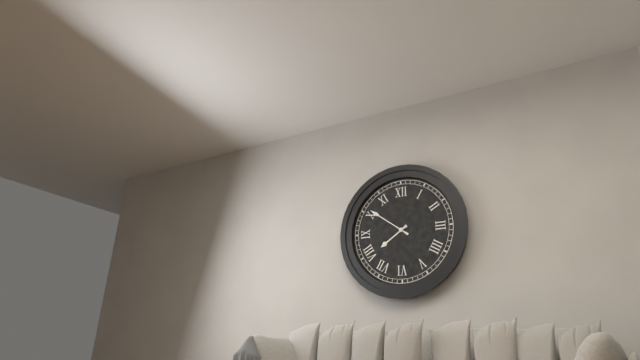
7:51
